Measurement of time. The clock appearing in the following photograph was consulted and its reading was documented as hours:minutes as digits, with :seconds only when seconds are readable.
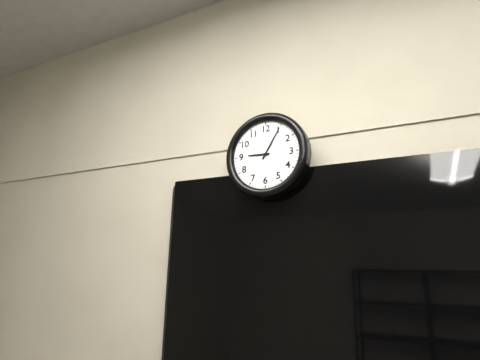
9:05
